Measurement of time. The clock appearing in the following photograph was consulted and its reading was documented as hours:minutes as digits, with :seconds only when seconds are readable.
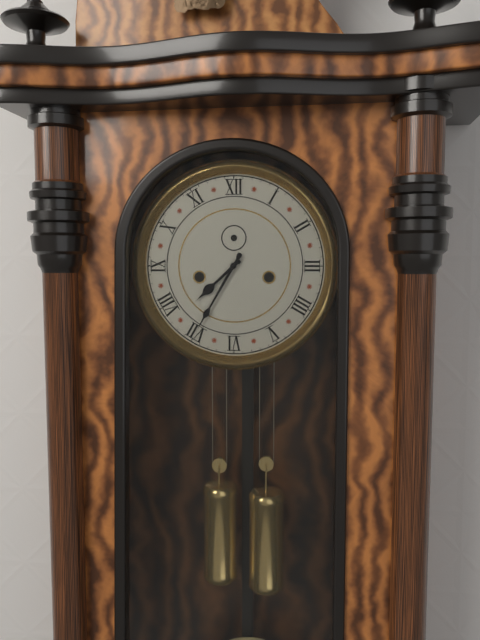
7:35
